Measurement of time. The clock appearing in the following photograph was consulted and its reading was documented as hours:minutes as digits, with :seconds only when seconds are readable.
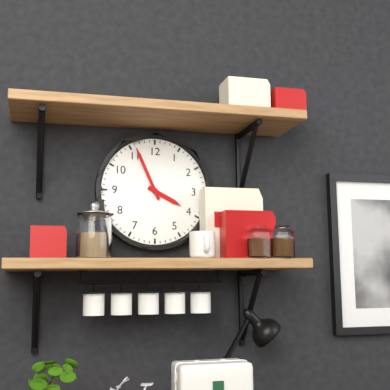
3:56
